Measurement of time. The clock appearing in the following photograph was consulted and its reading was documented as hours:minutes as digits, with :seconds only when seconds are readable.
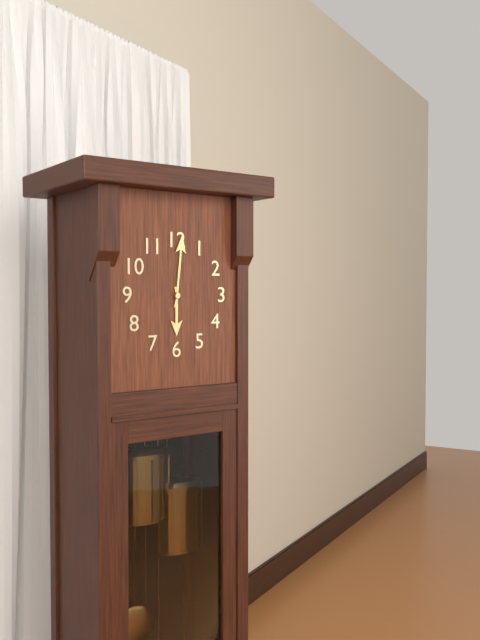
6:01
